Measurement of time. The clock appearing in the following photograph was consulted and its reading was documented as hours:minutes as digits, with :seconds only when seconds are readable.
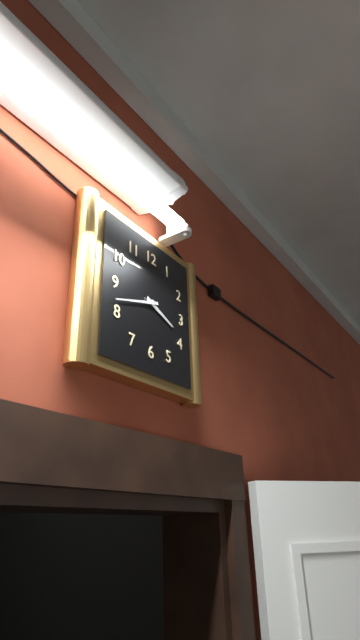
3:42
